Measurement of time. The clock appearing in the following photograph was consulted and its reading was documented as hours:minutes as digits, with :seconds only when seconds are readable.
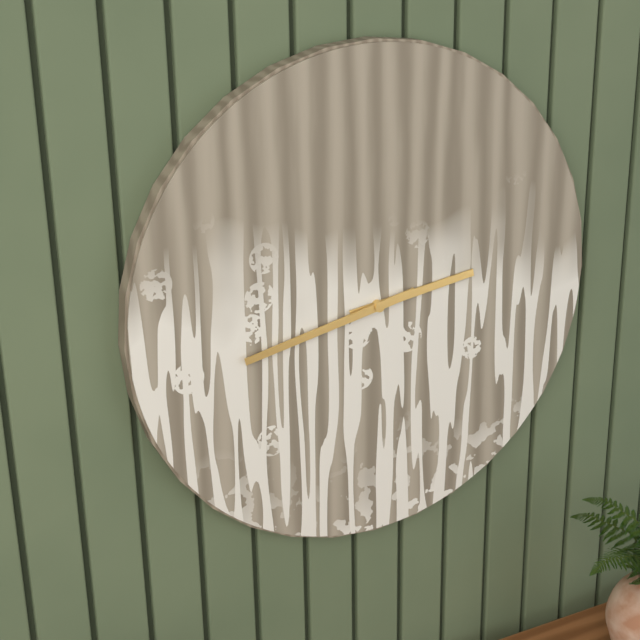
2:43
